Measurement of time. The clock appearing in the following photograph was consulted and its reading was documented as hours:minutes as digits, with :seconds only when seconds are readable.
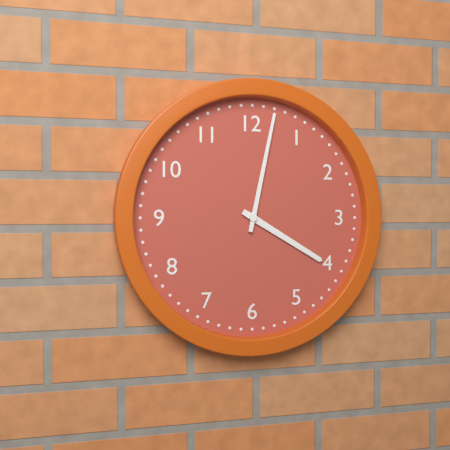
4:02
